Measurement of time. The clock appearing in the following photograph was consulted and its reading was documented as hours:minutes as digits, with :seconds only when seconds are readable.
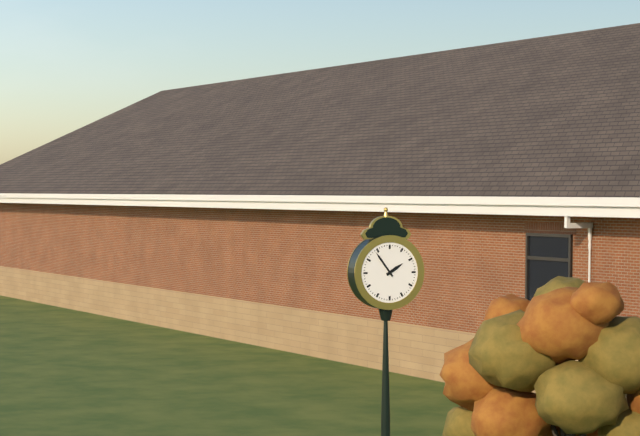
1:54
